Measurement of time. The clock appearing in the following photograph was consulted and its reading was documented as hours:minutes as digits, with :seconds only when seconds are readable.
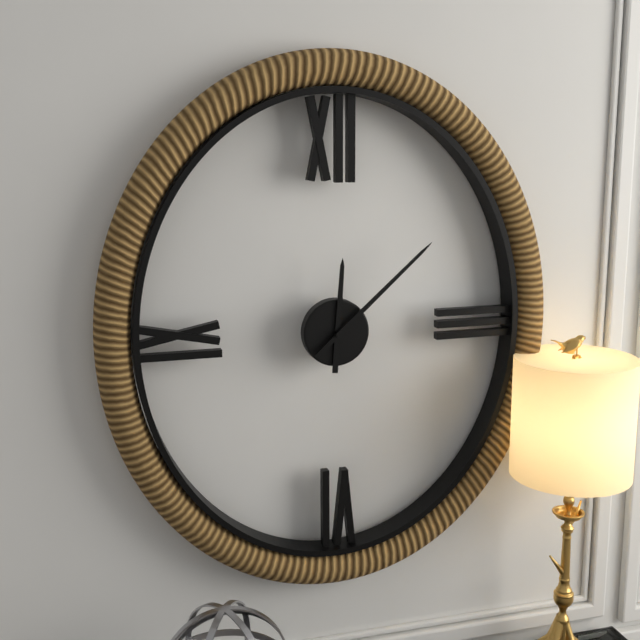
12:08
